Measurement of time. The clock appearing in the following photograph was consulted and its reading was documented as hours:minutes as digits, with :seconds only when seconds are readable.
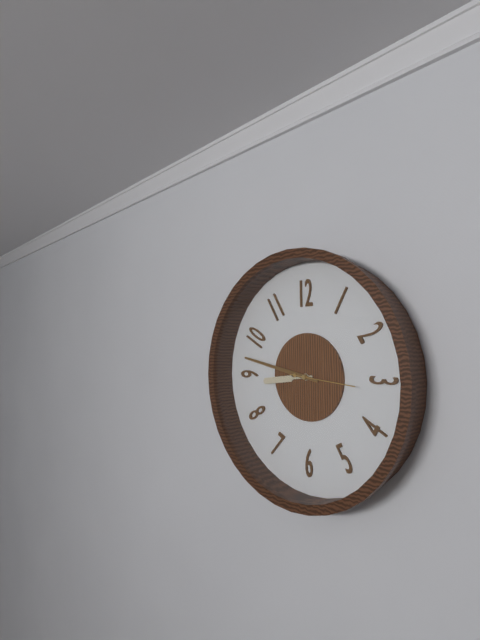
8:47:16
